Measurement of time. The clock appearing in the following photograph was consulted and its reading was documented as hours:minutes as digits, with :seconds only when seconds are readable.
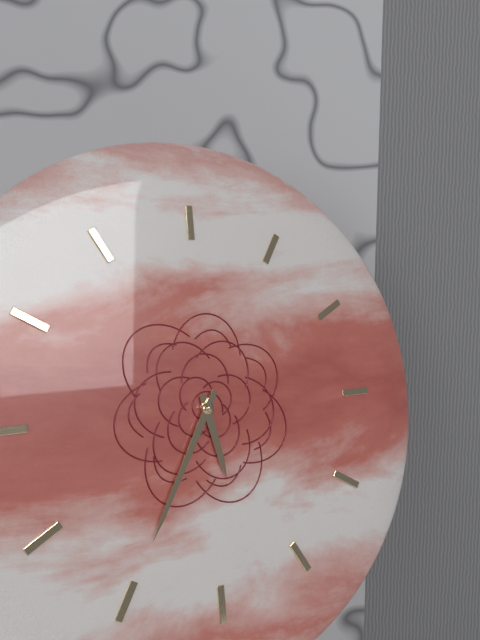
5:35
